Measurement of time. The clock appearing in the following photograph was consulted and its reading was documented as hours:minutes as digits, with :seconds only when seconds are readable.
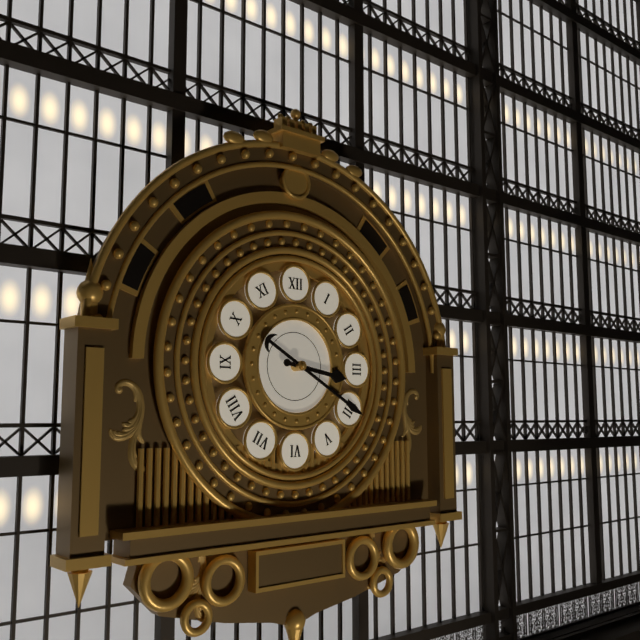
3:20
